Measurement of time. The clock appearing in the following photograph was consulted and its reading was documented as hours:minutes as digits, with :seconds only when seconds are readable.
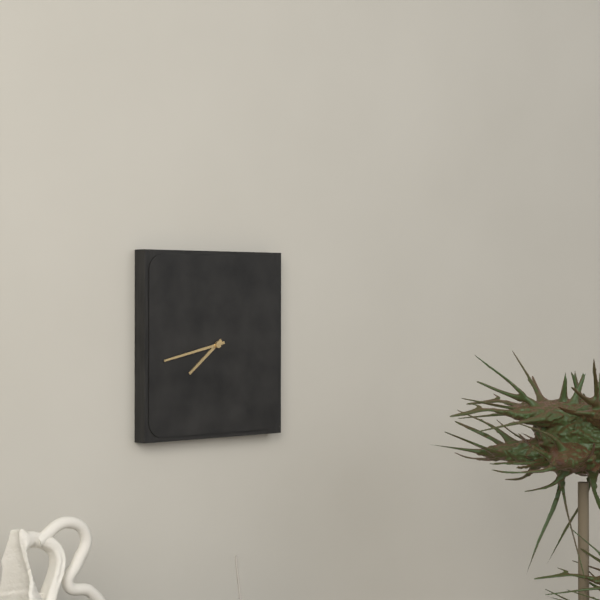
7:43
